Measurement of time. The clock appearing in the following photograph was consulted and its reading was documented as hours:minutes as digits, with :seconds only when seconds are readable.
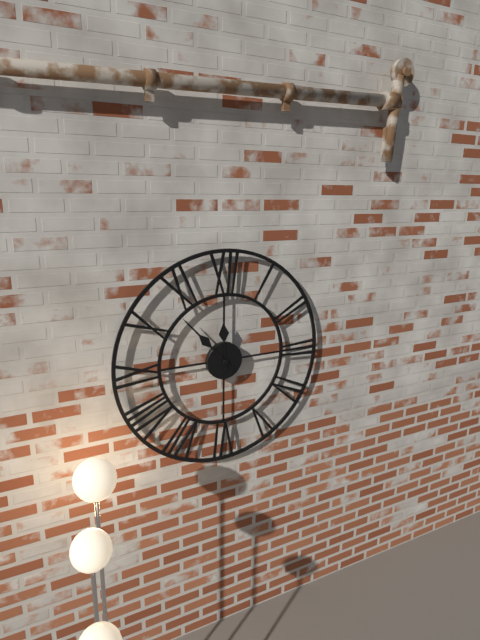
11:53
